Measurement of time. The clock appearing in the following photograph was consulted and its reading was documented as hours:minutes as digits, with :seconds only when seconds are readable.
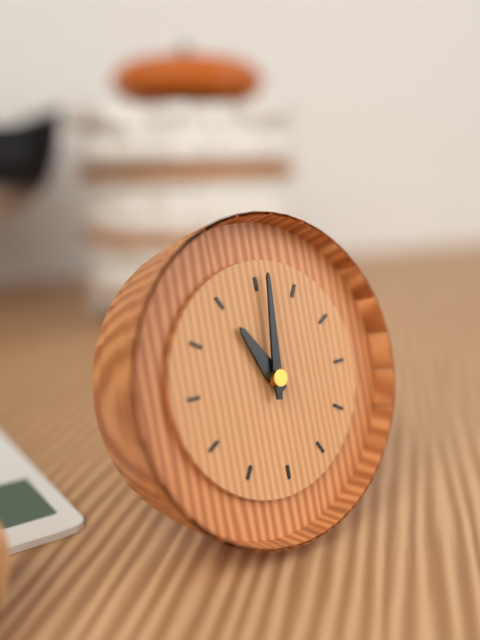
11:01
